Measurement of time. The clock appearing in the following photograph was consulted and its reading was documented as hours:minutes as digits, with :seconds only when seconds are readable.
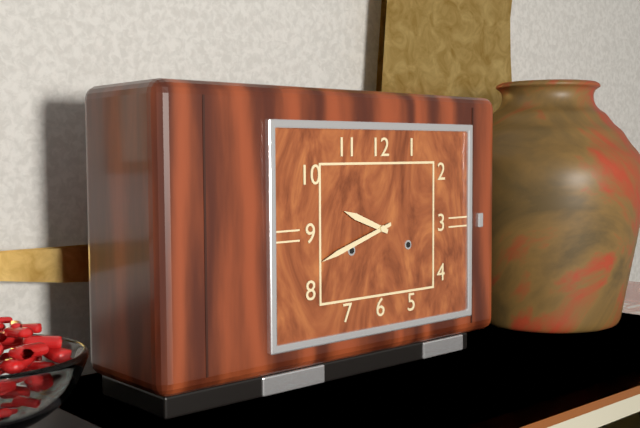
9:42
